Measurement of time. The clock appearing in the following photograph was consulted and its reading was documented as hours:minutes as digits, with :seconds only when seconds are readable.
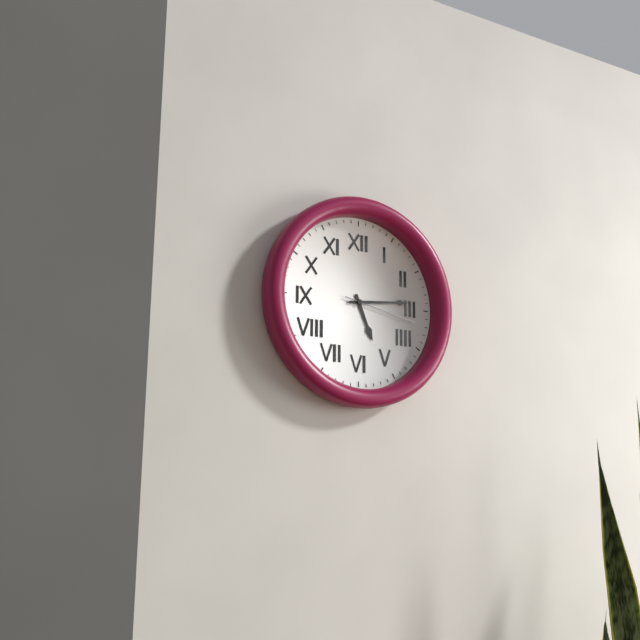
5:14:17
